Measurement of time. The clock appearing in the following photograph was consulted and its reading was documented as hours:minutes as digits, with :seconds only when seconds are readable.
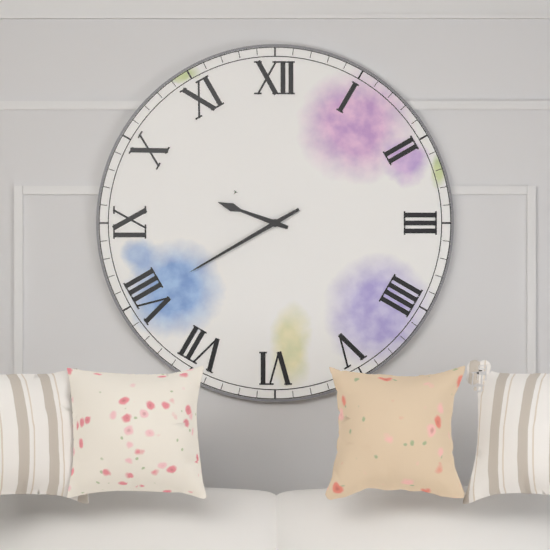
9:40
